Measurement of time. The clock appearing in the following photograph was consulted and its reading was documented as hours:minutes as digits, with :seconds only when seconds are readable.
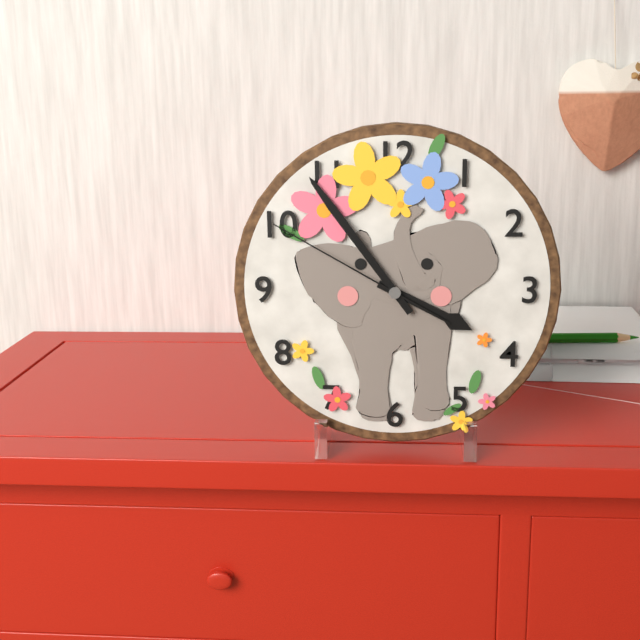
3:54:50
